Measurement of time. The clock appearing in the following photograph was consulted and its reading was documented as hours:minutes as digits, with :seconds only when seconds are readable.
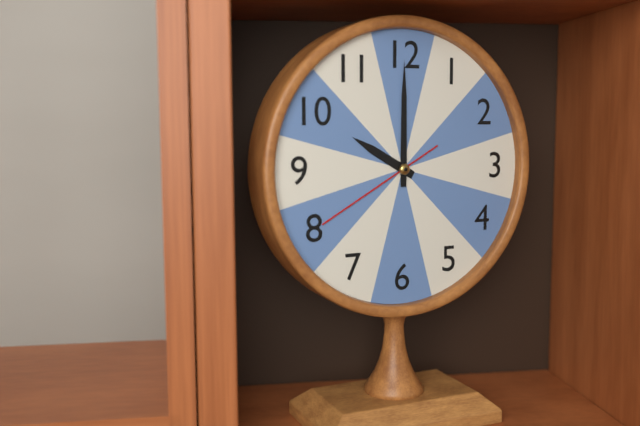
10:00:40
